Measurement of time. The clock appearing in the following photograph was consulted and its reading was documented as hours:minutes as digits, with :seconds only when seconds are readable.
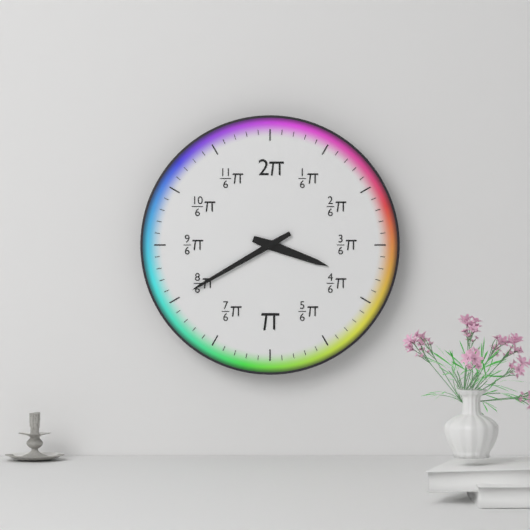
3:40
